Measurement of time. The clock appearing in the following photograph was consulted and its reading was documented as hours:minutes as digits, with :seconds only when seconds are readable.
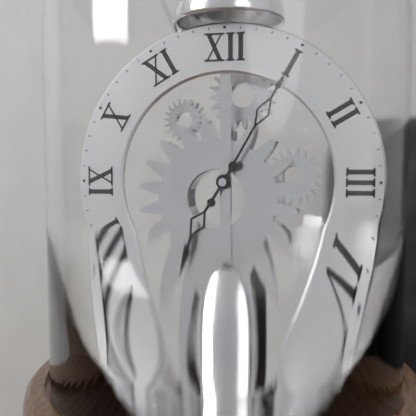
7:05
